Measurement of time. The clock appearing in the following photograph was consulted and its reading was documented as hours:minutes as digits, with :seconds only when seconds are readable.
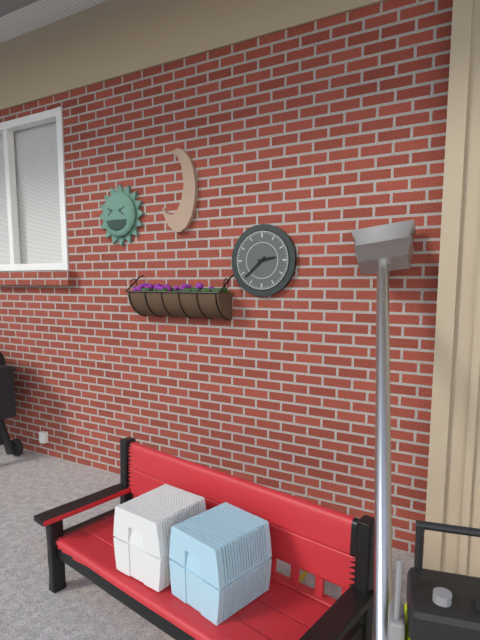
2:38
